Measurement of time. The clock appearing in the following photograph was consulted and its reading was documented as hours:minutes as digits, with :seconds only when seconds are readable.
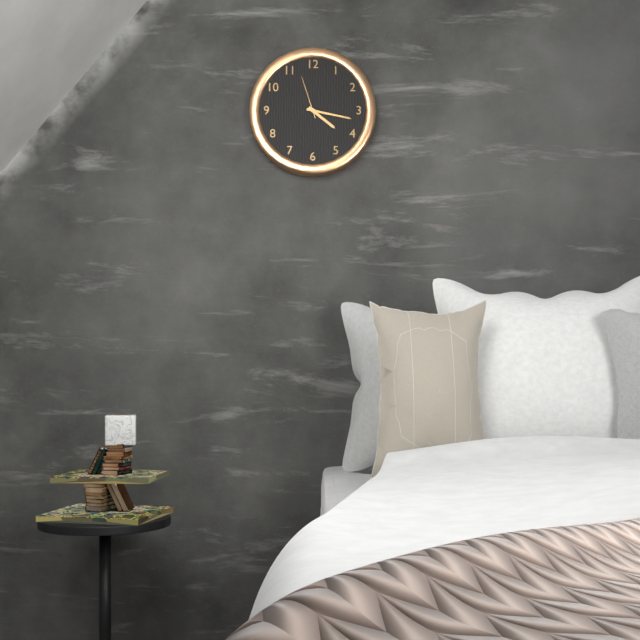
4:17
